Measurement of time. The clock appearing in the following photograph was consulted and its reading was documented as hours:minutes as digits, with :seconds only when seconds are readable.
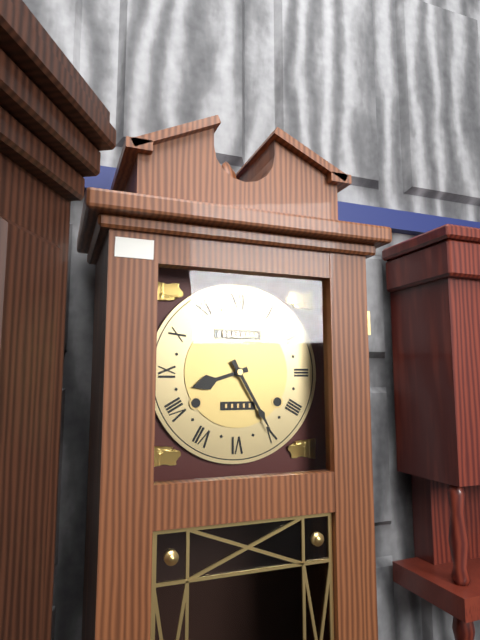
8:25
